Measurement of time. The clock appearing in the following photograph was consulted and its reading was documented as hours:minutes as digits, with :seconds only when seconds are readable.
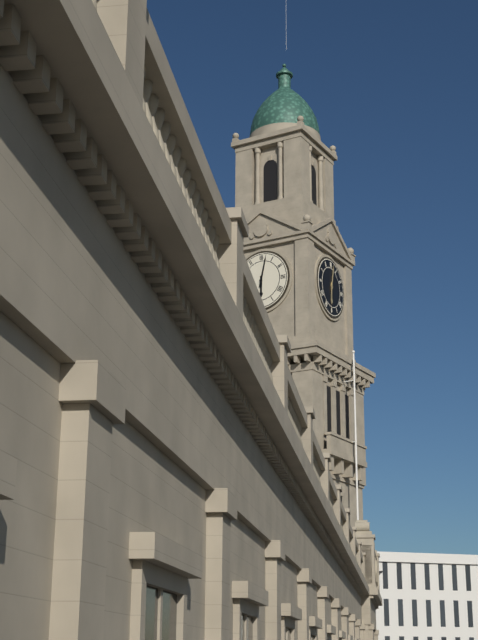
6:02
